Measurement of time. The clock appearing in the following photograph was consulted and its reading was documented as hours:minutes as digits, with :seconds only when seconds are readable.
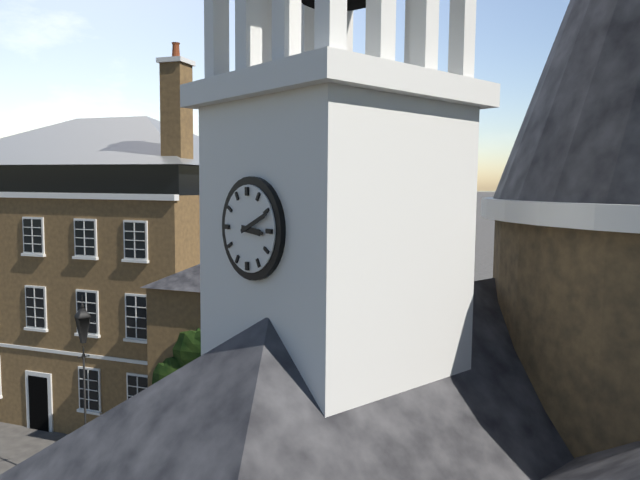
3:11
